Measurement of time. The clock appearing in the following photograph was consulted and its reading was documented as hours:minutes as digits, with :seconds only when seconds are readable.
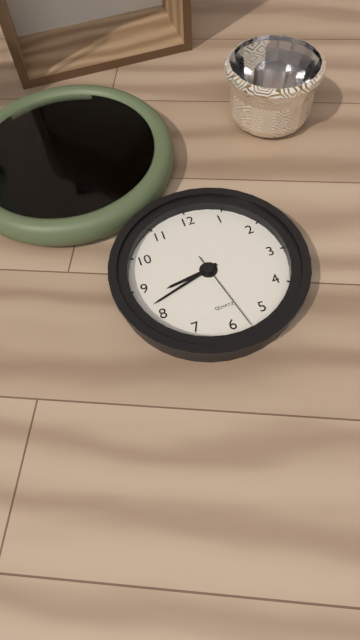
8:42:28
